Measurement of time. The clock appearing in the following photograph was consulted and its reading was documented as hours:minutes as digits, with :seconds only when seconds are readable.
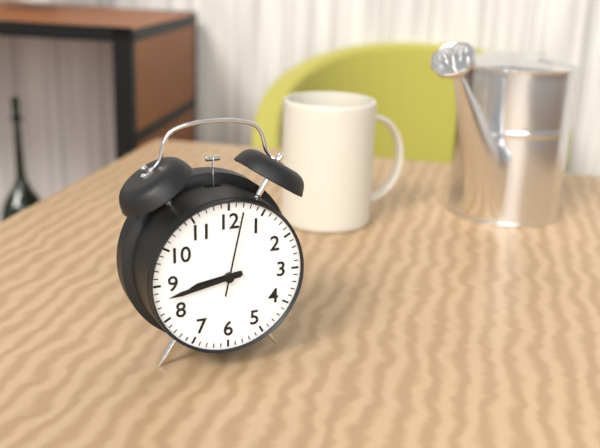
8:43:02
